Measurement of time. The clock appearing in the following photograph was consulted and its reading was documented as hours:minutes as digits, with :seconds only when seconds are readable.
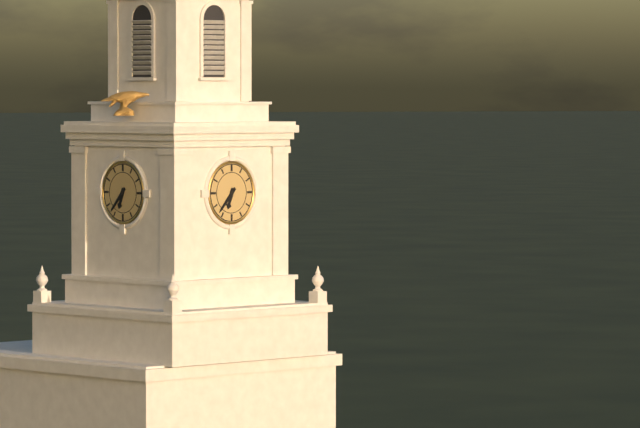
6:37
